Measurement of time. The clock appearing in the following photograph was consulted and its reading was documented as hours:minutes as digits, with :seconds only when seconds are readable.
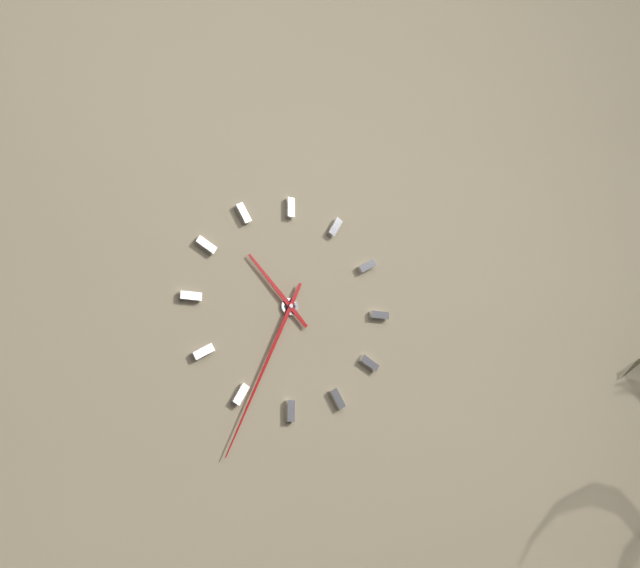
10:34
